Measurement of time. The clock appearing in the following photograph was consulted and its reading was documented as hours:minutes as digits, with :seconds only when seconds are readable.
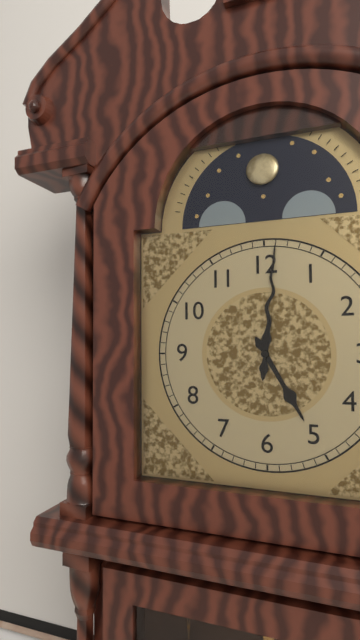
5:01
